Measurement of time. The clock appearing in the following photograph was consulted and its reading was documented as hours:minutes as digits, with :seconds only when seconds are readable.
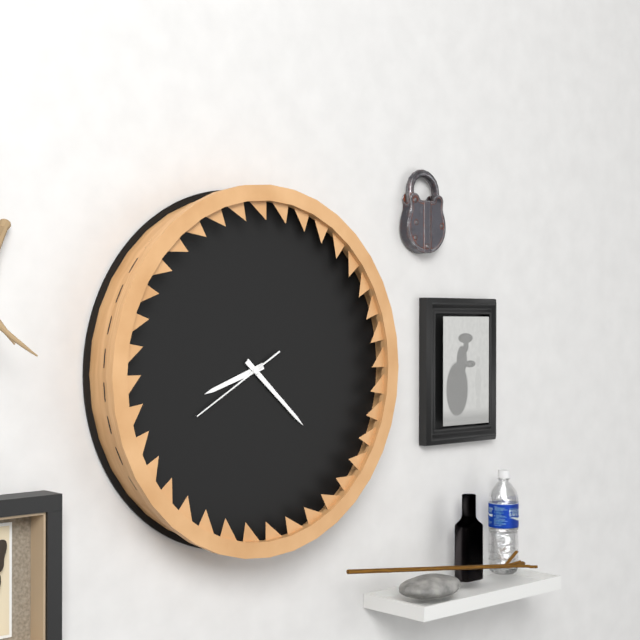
8:22:40
